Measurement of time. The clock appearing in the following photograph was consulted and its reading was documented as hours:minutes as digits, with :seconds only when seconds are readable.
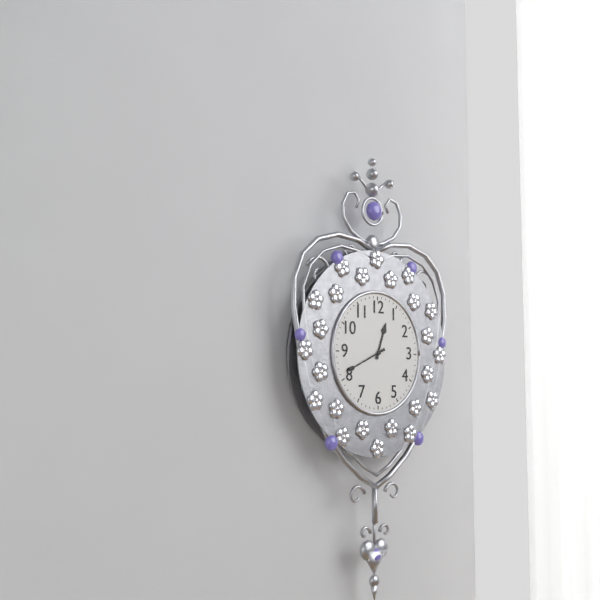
12:41
